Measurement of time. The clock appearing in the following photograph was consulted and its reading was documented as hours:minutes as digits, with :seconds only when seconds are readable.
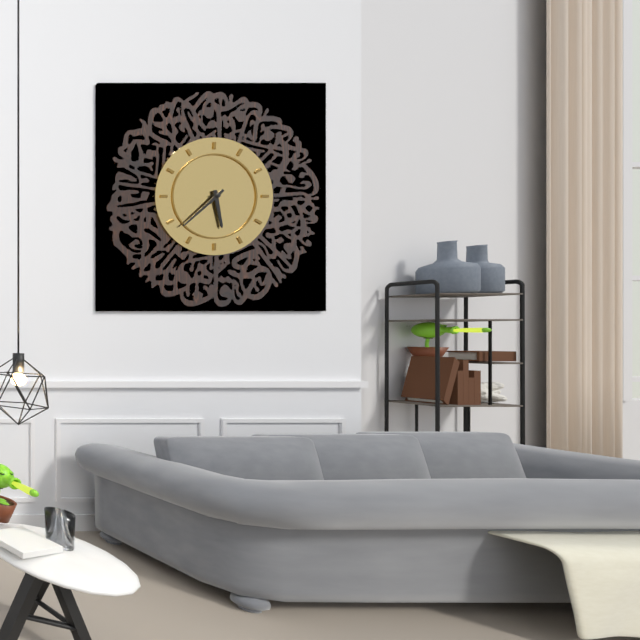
5:38
